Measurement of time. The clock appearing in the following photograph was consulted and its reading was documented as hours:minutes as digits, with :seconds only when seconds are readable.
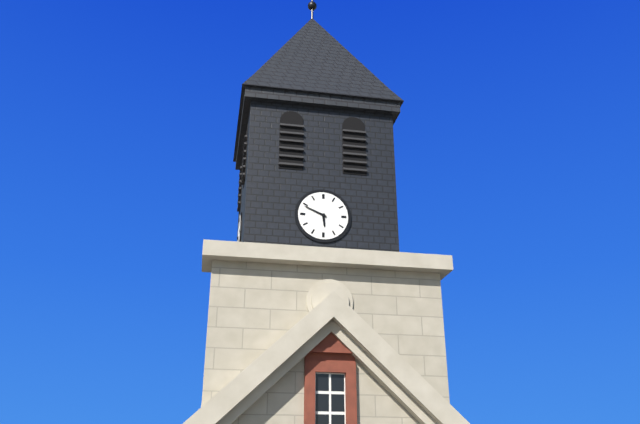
5:49
